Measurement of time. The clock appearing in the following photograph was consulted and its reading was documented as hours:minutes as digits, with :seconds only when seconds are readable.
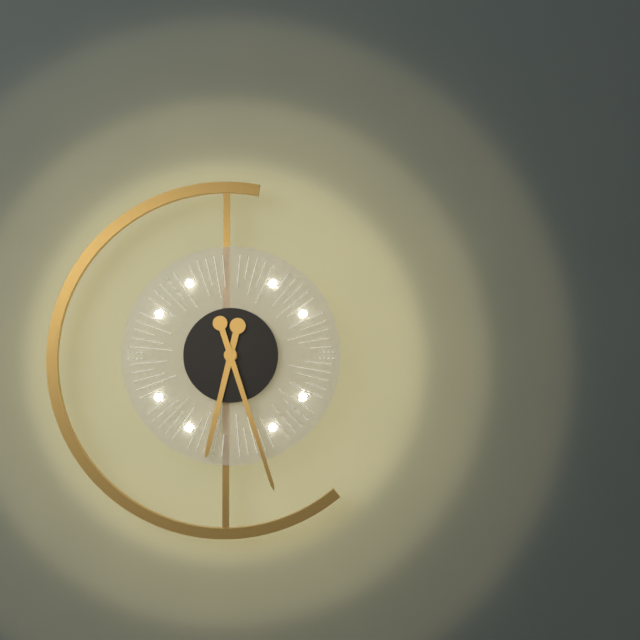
6:27
